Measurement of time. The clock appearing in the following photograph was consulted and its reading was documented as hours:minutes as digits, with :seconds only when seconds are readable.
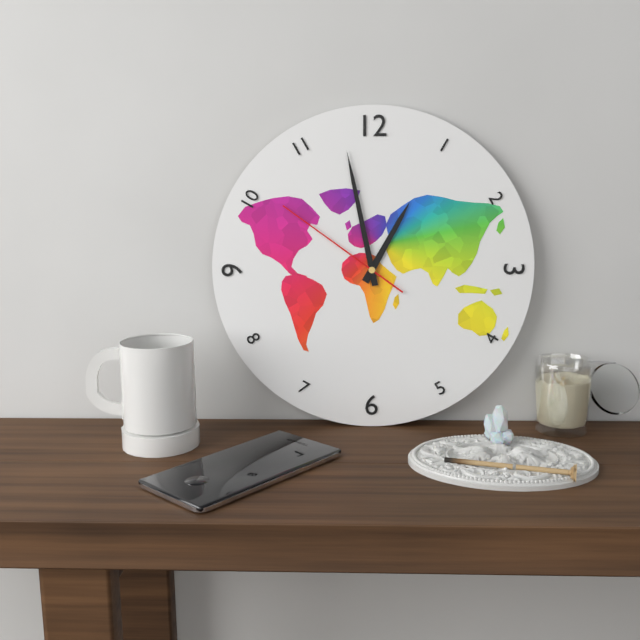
12:58:51
